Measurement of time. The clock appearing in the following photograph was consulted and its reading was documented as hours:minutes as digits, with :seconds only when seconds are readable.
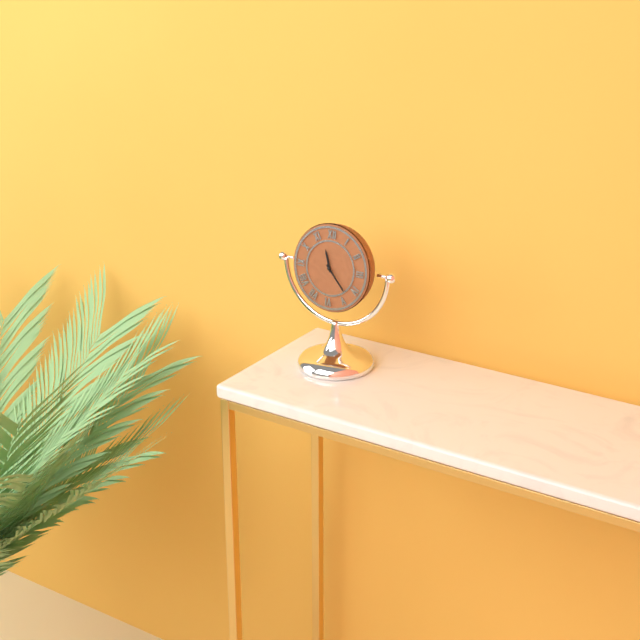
11:23
